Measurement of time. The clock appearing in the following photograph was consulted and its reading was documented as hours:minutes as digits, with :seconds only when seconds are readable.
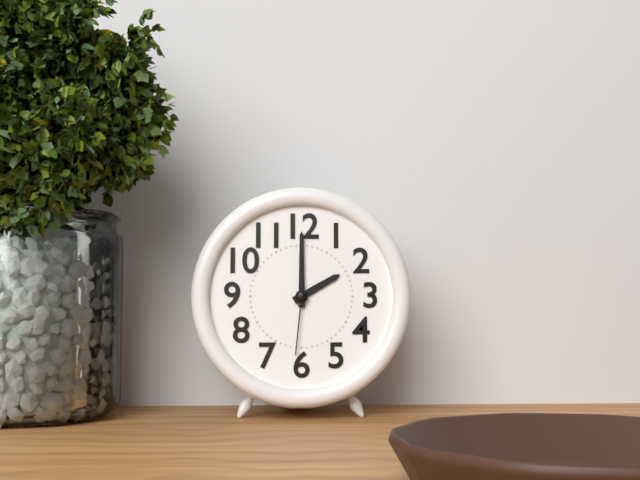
2:00:31
